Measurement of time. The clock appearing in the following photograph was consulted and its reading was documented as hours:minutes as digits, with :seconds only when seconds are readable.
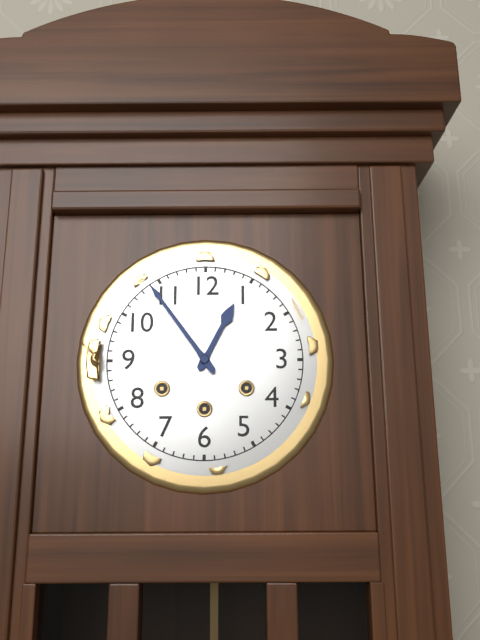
12:54
